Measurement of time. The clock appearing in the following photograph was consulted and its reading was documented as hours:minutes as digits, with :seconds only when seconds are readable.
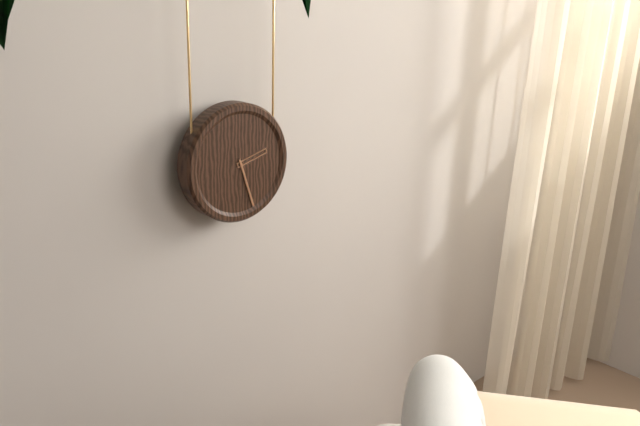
2:27
